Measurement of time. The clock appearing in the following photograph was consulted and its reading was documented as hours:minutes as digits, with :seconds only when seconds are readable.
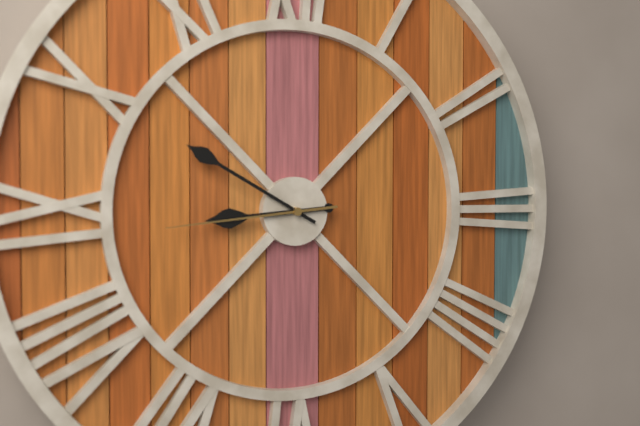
8:50:44
